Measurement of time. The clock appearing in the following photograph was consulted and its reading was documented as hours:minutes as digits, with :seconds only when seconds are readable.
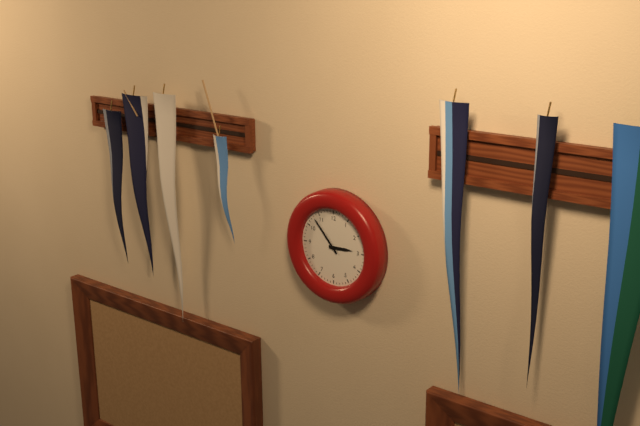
2:53
